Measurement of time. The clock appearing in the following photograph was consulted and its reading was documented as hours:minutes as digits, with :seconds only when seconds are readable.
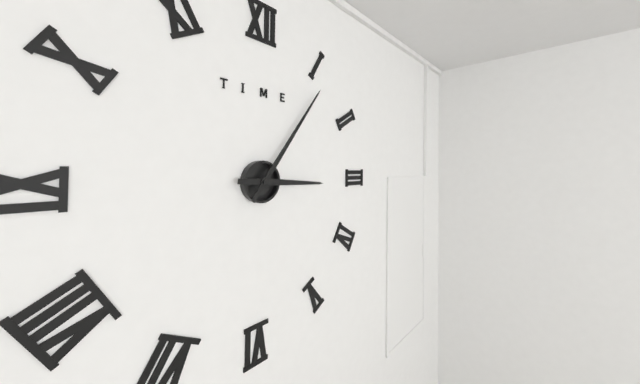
3:06
